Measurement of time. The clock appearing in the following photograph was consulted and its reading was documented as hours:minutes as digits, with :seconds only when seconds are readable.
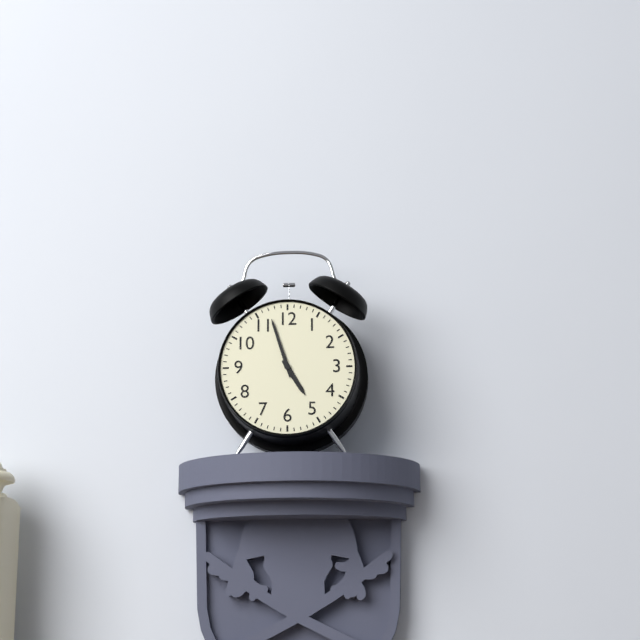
4:57
